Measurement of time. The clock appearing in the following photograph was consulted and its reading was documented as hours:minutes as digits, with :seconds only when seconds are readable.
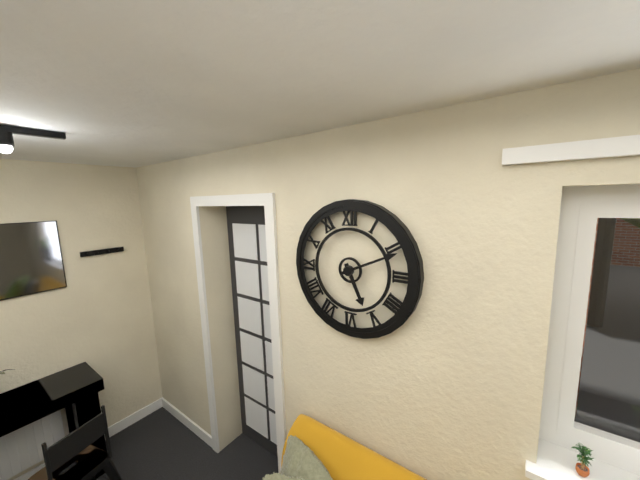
5:11
